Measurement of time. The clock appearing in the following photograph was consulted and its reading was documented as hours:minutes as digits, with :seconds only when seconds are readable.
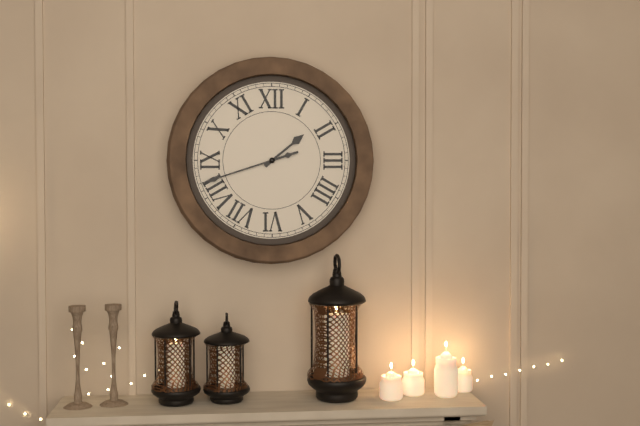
1:42
